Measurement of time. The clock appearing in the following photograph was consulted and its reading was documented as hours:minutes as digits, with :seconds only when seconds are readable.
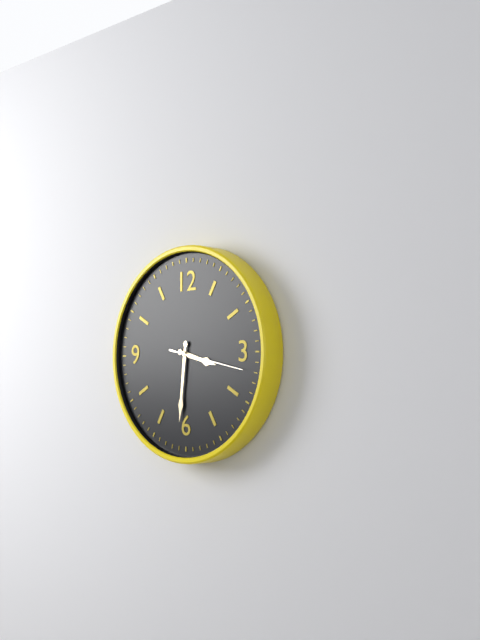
3:31:17
